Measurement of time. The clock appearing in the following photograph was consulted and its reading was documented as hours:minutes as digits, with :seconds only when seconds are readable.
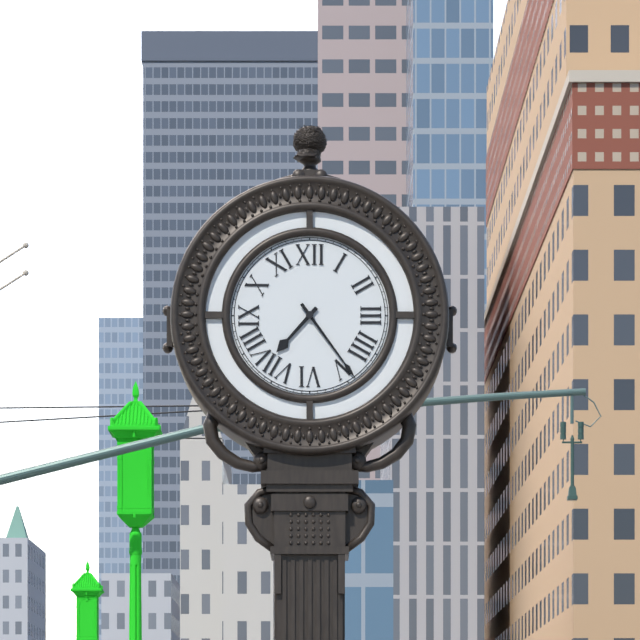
7:24
